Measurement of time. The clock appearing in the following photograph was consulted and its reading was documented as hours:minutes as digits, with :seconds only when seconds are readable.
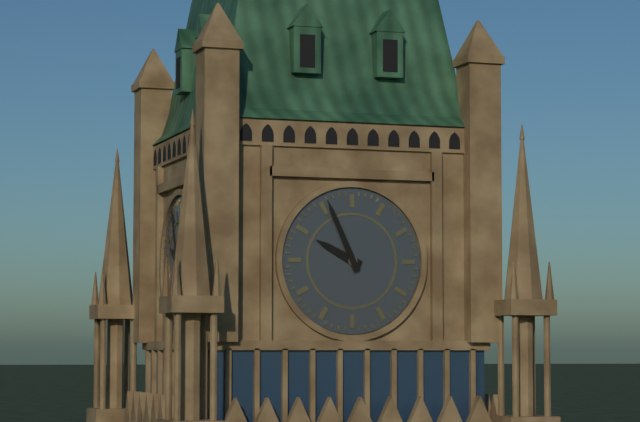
9:56
